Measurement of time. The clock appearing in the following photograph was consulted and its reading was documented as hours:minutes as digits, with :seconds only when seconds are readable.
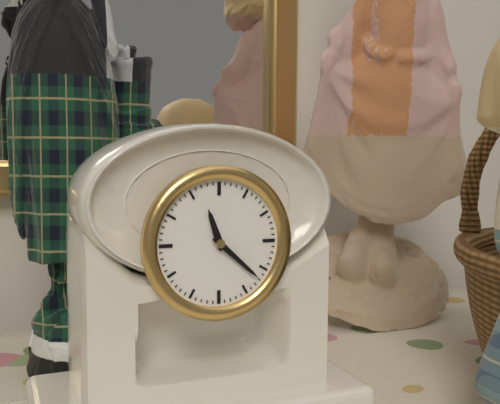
11:22
